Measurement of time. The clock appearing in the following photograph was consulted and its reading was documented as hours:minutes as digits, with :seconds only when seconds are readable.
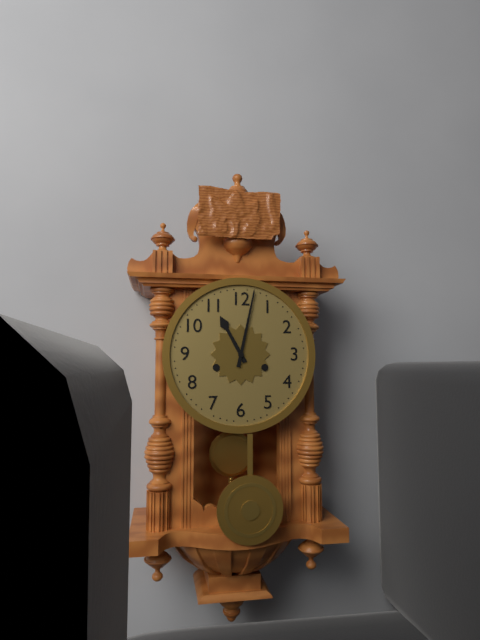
11:02
